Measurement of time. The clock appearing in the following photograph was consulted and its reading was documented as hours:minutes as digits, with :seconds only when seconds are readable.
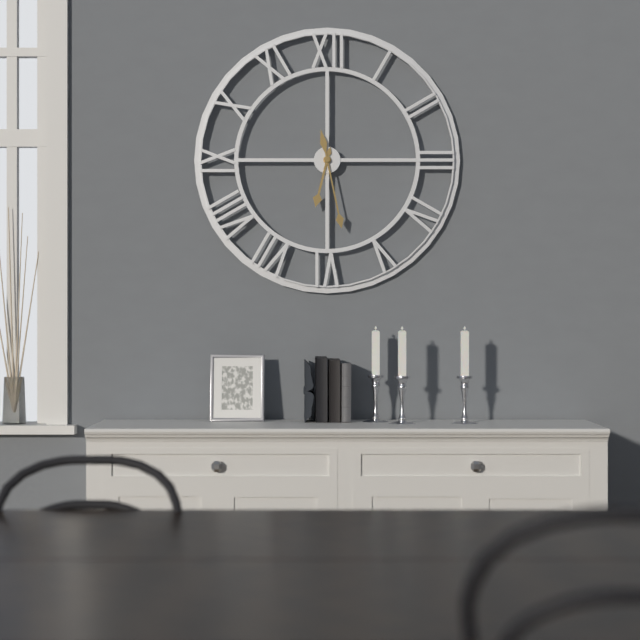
6:28
